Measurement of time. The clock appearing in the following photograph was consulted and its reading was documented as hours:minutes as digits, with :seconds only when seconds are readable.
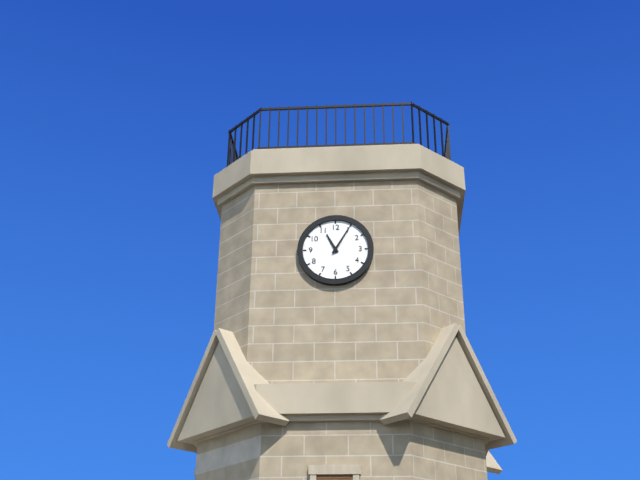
11:05
